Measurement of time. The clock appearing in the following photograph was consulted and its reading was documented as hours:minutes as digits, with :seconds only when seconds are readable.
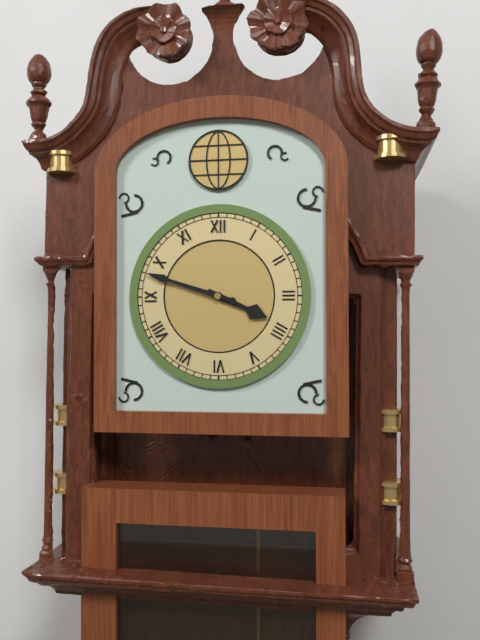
3:48
